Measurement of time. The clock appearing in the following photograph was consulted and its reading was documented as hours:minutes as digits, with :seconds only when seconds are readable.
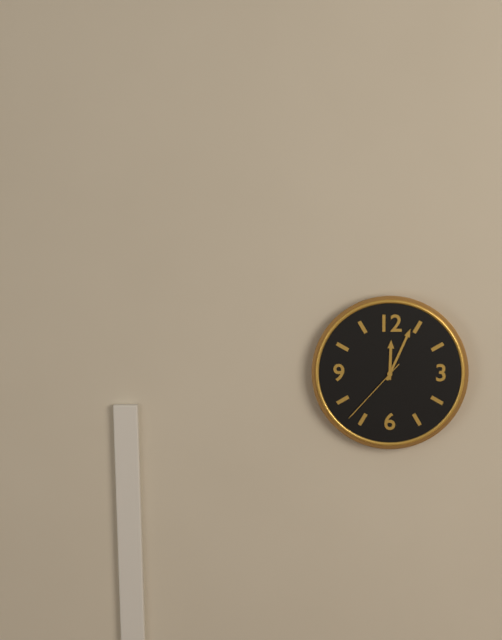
12:04:37
